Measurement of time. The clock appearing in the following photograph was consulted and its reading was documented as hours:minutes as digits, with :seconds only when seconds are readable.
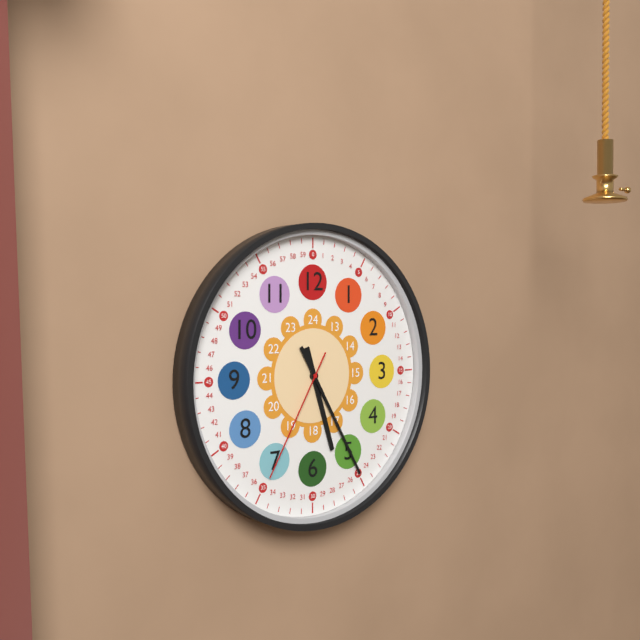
5:25:35
